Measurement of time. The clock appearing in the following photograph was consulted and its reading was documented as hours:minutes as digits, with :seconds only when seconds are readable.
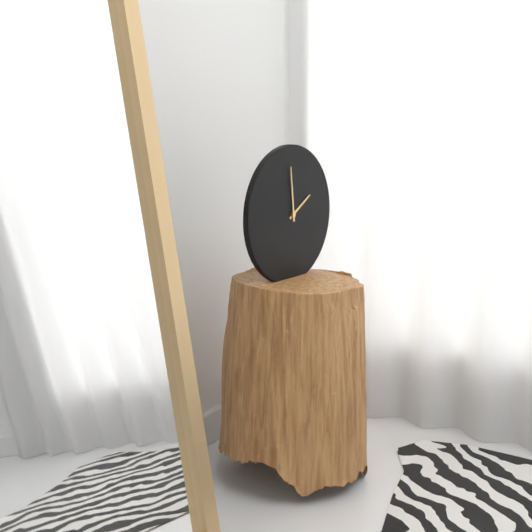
1:59
